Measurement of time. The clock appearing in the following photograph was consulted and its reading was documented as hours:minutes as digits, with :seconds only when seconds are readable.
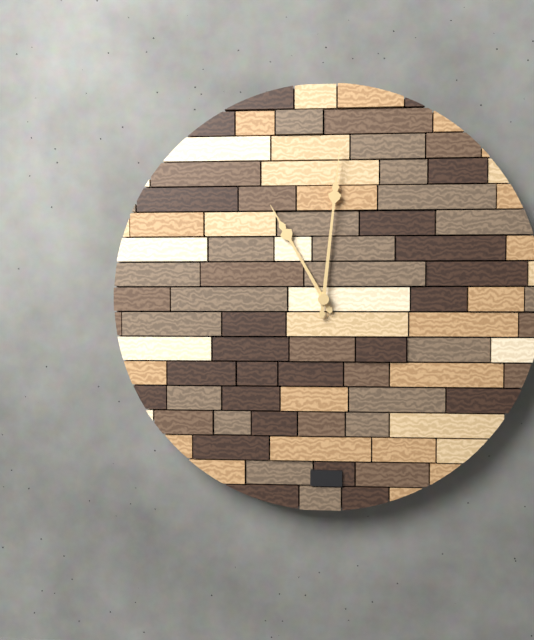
11:01
